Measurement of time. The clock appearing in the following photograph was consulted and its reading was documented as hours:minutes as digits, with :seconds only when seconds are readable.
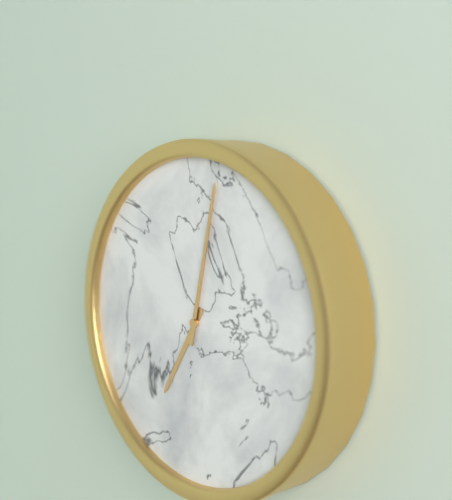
7:02
